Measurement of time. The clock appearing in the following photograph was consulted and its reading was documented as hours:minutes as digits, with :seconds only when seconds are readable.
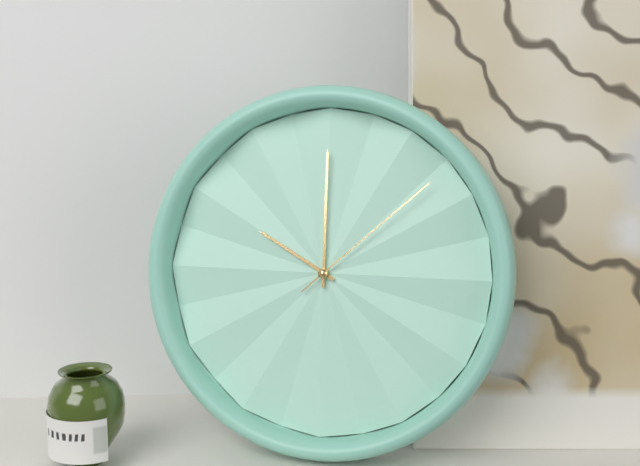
10:00:08
